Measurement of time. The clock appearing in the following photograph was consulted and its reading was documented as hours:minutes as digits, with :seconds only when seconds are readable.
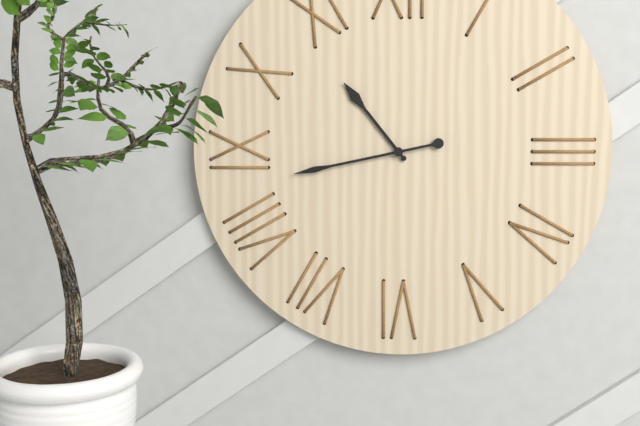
10:43
